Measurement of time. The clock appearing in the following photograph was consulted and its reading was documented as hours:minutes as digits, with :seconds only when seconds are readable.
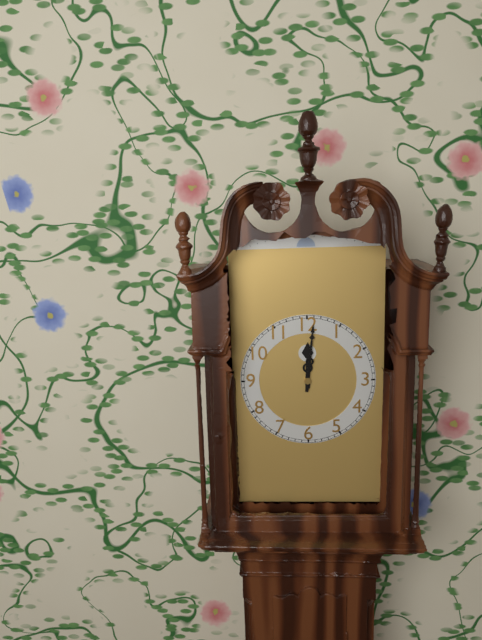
12:01
